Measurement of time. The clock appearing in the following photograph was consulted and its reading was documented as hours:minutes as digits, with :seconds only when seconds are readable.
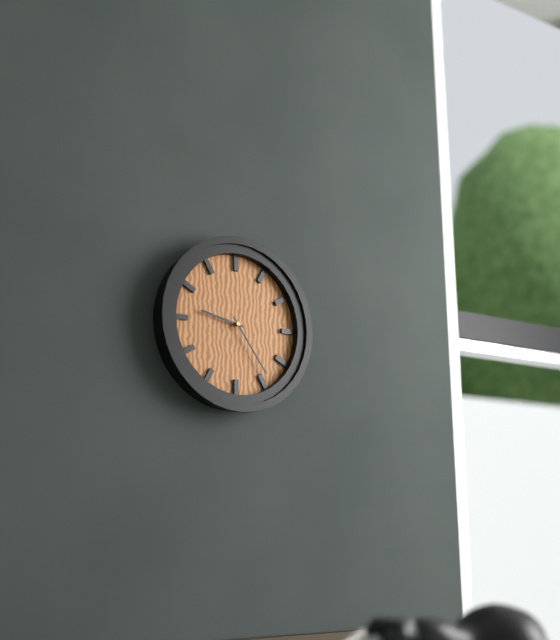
9:24
